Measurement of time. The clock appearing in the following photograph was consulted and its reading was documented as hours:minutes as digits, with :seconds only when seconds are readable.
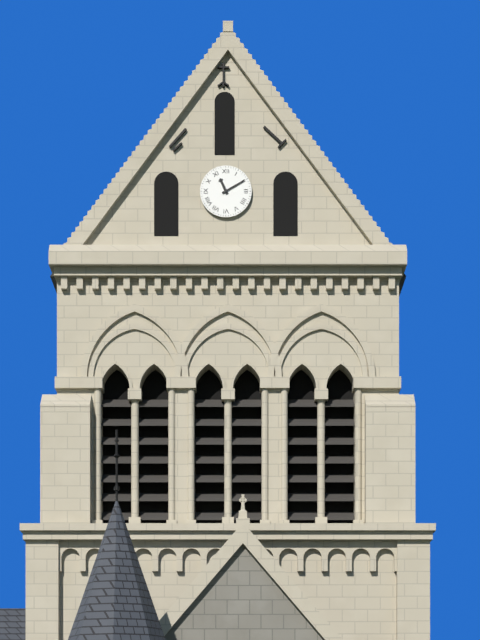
11:10
